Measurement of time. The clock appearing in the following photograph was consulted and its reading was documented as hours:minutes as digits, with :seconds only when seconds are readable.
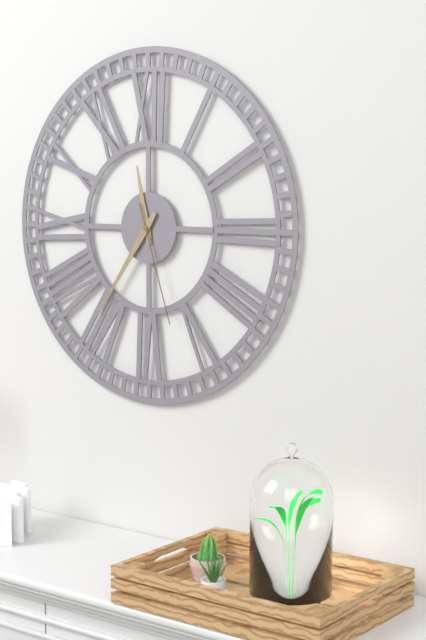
11:36:27
